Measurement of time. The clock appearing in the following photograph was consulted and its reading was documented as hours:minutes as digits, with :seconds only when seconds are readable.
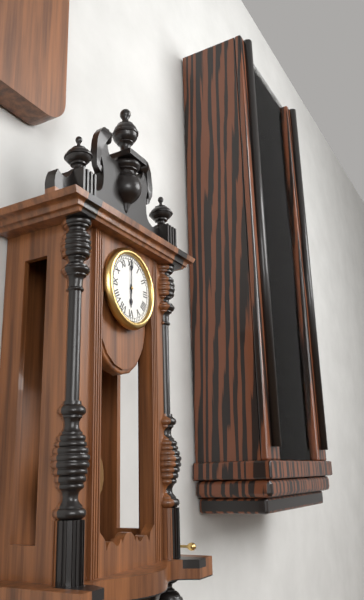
6:00
